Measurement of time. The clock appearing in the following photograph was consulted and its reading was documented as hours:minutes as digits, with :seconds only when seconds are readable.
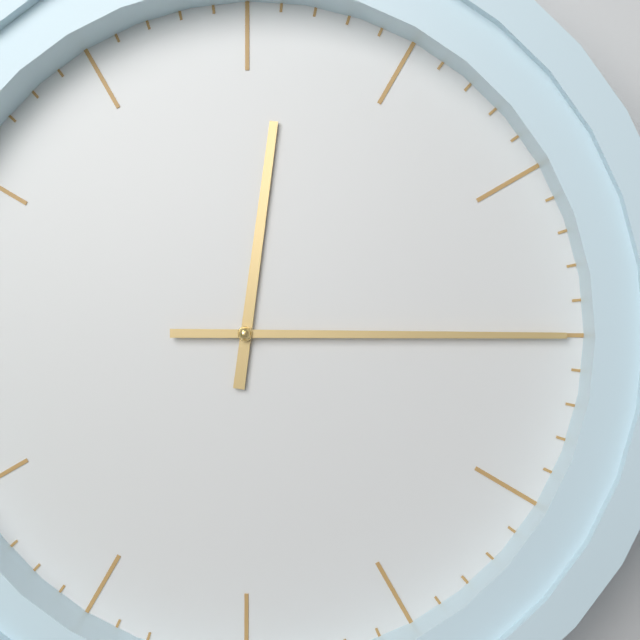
12:15
